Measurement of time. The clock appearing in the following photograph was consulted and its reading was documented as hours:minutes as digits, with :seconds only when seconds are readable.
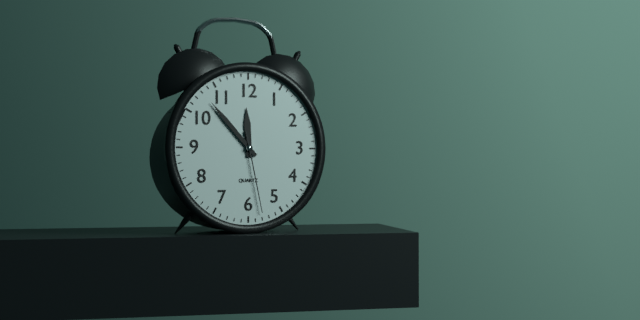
11:53:28
